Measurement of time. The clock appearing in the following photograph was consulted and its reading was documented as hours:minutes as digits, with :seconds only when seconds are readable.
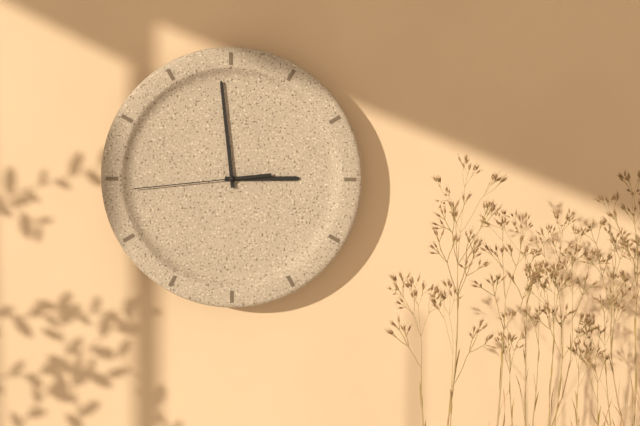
2:59:44
